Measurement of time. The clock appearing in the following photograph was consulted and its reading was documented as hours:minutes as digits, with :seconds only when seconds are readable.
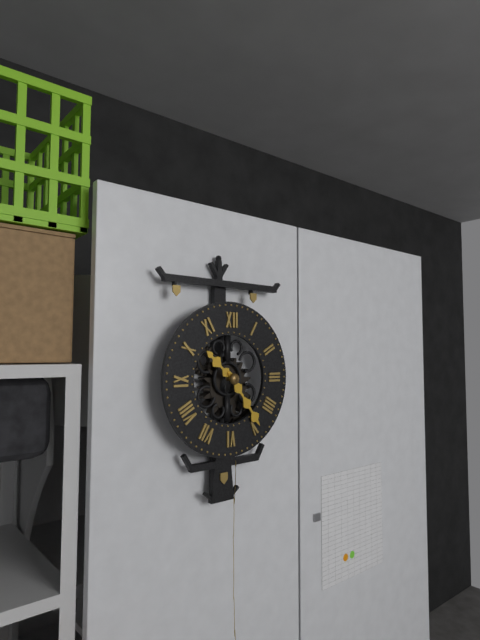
10:24
